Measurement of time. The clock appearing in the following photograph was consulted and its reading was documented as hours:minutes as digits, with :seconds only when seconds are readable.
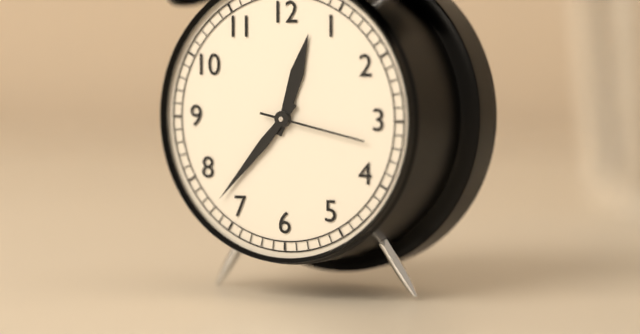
12:37:17
